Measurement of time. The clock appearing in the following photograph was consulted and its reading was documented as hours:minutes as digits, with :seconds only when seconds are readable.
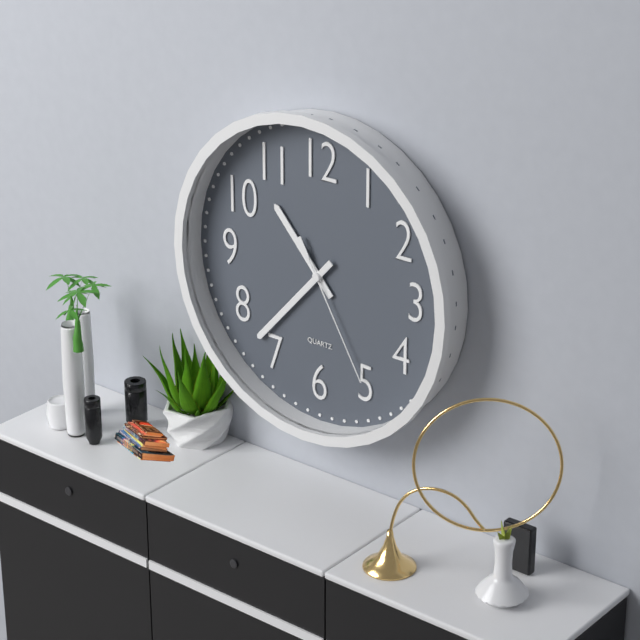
10:37:25
